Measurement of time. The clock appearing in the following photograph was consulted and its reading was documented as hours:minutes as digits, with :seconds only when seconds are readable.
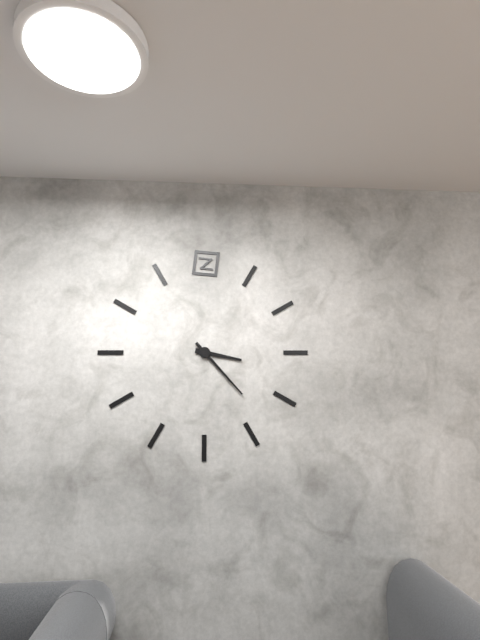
3:23
